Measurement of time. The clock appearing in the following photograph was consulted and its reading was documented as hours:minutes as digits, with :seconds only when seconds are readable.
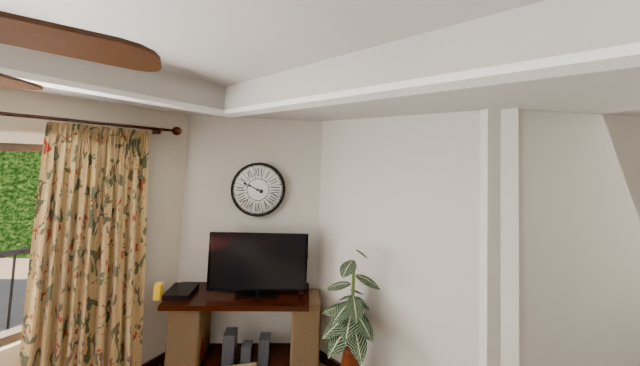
9:49
